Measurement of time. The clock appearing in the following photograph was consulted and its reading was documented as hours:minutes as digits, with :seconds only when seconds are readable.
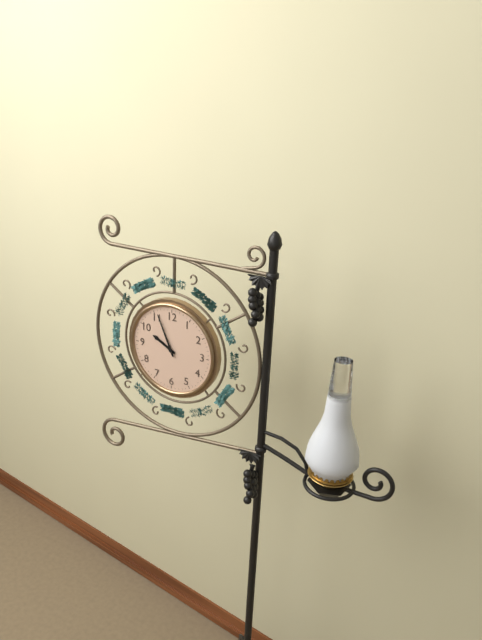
9:56
